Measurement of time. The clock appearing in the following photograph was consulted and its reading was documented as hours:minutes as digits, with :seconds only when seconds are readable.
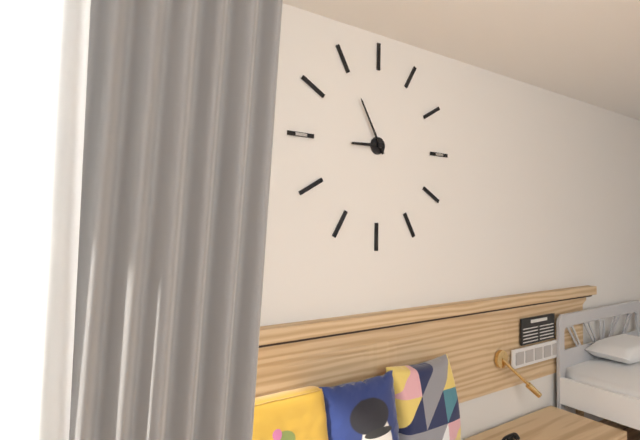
8:55
